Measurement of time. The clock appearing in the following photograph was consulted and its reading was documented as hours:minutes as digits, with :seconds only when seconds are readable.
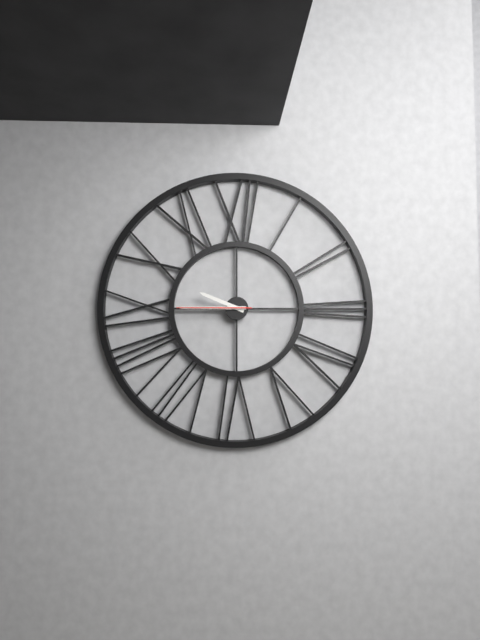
9:45:45
